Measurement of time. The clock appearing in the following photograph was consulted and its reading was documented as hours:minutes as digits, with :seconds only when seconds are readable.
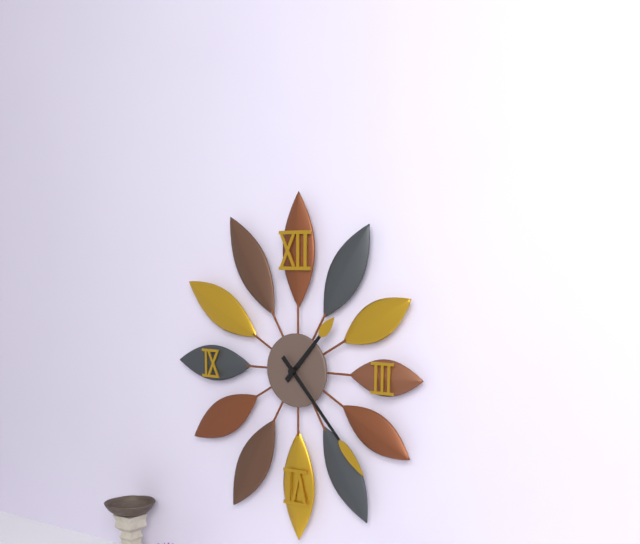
1:23
